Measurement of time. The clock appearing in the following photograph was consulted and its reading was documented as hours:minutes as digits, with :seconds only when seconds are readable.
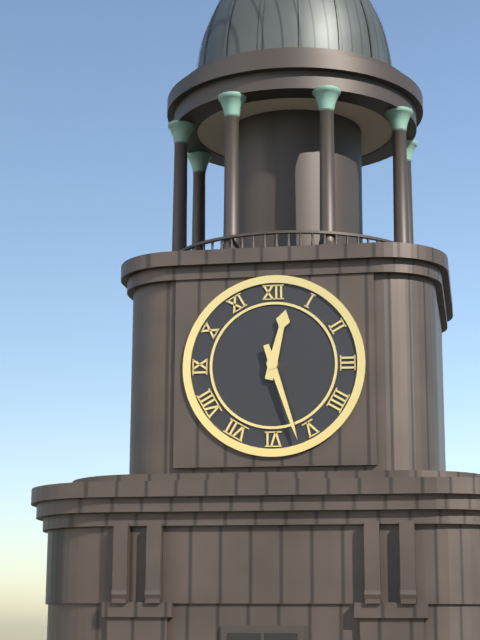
12:27
